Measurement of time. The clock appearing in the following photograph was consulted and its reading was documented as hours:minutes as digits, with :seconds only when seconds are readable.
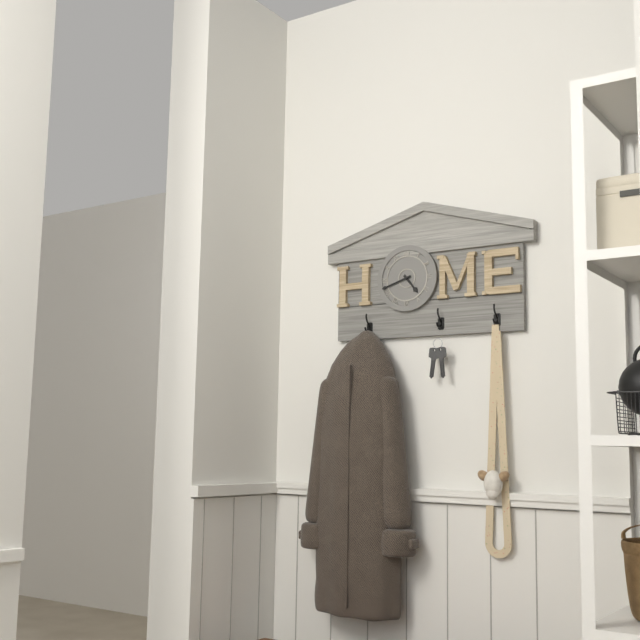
4:42
